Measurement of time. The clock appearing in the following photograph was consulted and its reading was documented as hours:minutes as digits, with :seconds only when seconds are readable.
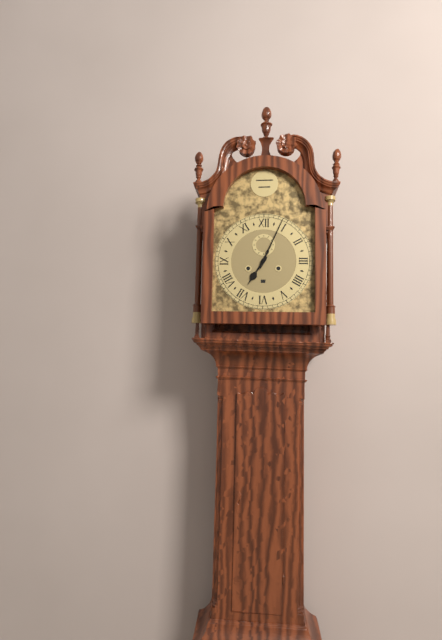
7:04
